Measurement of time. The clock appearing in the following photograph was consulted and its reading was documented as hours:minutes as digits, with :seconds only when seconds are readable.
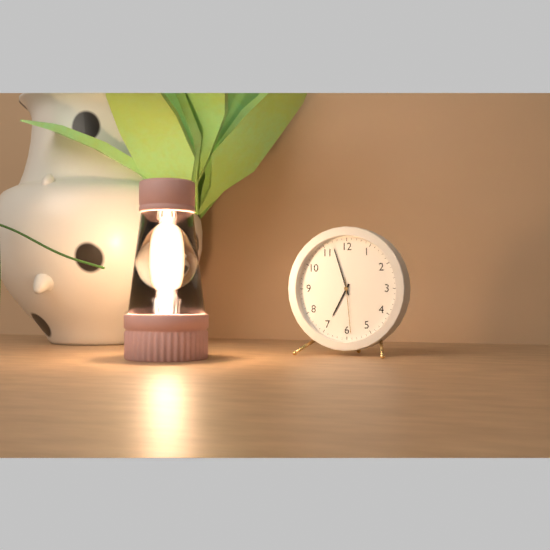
6:57:29
